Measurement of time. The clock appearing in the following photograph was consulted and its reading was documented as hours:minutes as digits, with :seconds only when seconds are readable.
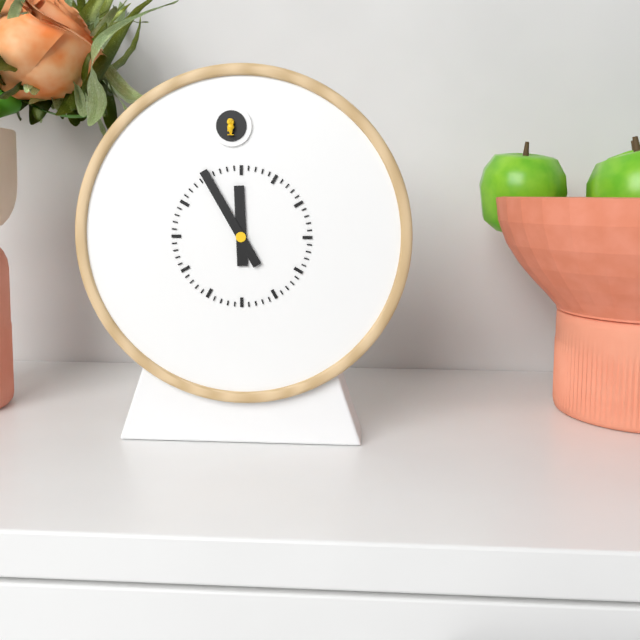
11:55
